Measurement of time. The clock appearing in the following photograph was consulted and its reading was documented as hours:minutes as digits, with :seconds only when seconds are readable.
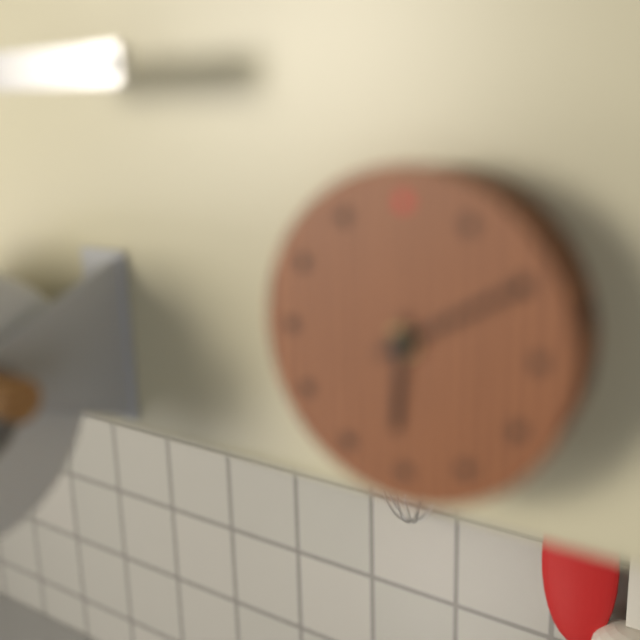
6:10
